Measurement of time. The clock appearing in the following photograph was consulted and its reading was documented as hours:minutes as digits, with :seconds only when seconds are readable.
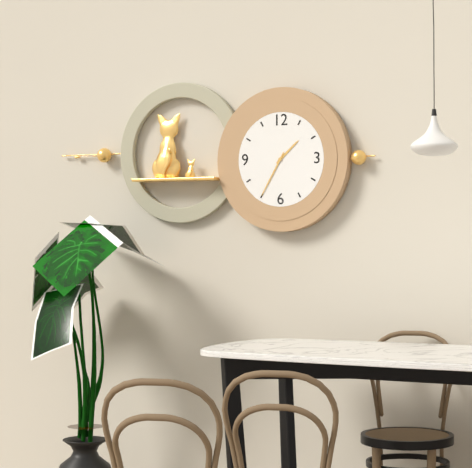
1:35
